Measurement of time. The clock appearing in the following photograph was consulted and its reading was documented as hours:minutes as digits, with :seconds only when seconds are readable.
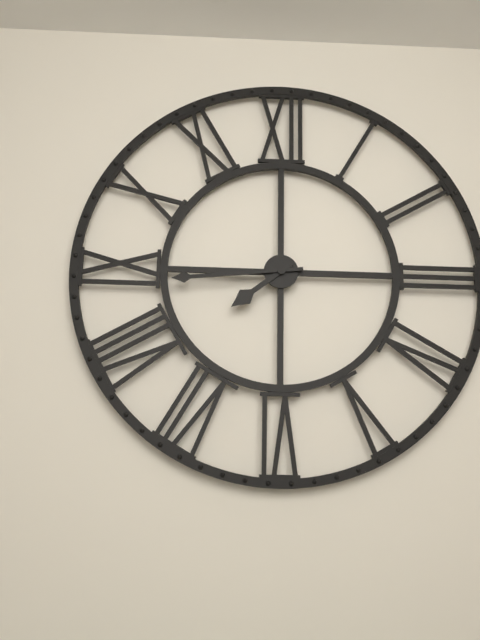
7:44
